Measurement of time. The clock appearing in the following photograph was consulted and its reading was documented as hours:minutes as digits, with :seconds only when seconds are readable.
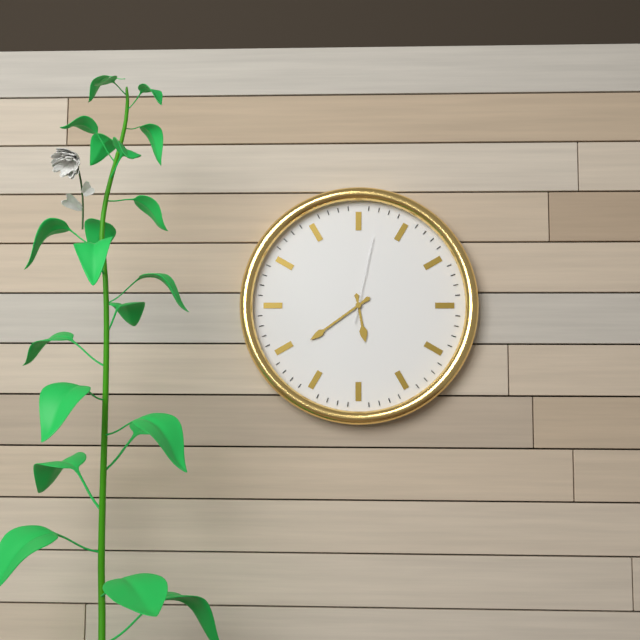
5:39:02
